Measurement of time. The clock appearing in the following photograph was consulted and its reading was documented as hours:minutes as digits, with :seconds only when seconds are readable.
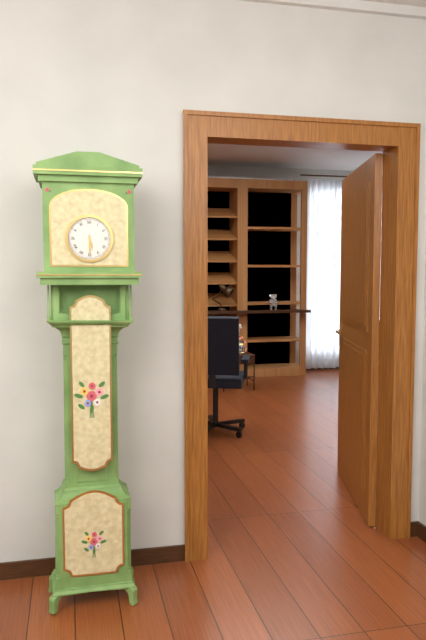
5:30
